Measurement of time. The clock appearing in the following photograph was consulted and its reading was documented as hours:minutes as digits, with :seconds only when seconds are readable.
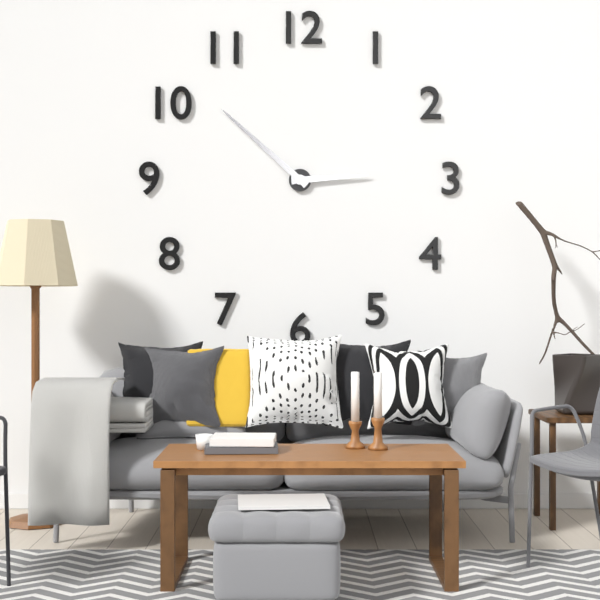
2:52
